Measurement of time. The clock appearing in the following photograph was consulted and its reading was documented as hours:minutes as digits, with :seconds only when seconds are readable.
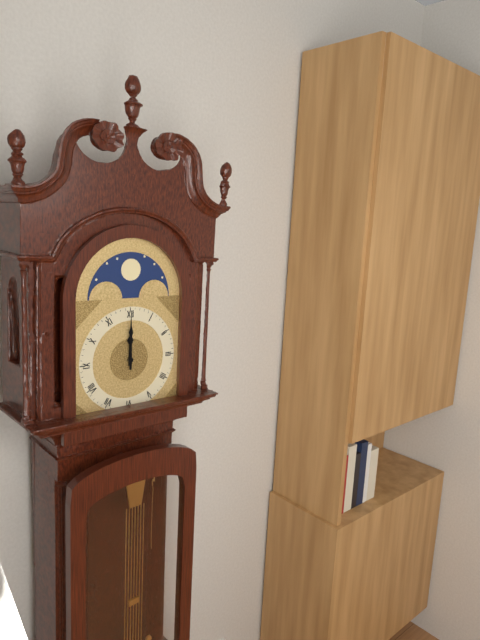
12:00
